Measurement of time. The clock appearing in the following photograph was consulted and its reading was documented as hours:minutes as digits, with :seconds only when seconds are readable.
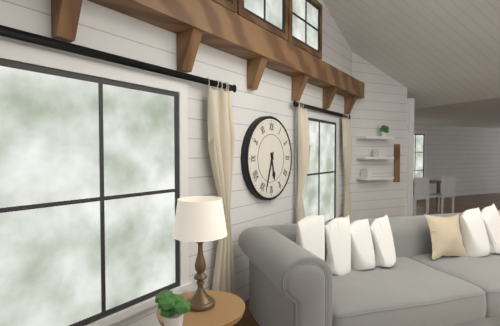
5:33
